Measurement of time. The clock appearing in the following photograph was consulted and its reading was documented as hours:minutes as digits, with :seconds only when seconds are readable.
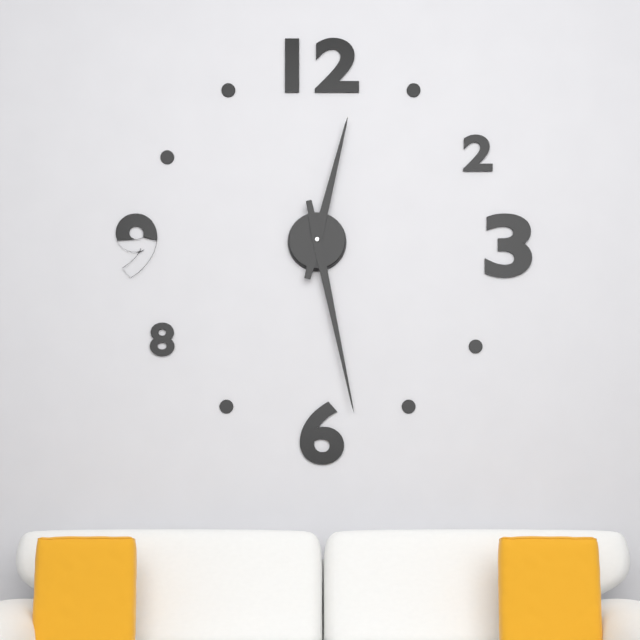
12:28
